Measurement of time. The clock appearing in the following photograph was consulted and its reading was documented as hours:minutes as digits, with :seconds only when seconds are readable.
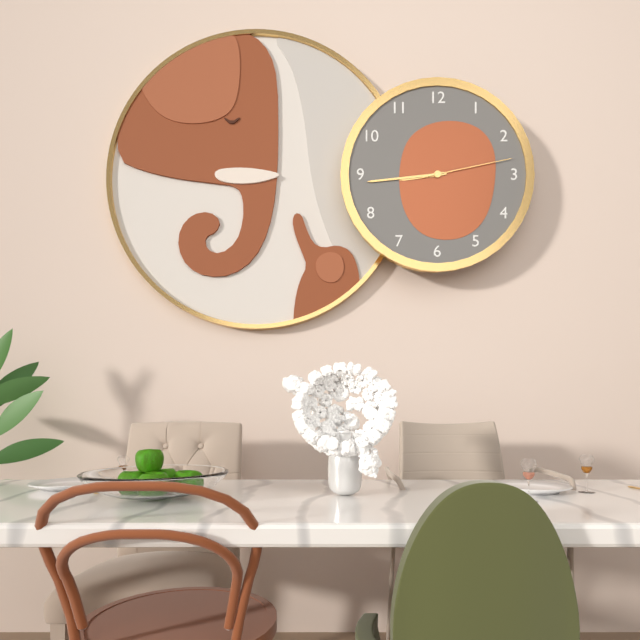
8:44:13
